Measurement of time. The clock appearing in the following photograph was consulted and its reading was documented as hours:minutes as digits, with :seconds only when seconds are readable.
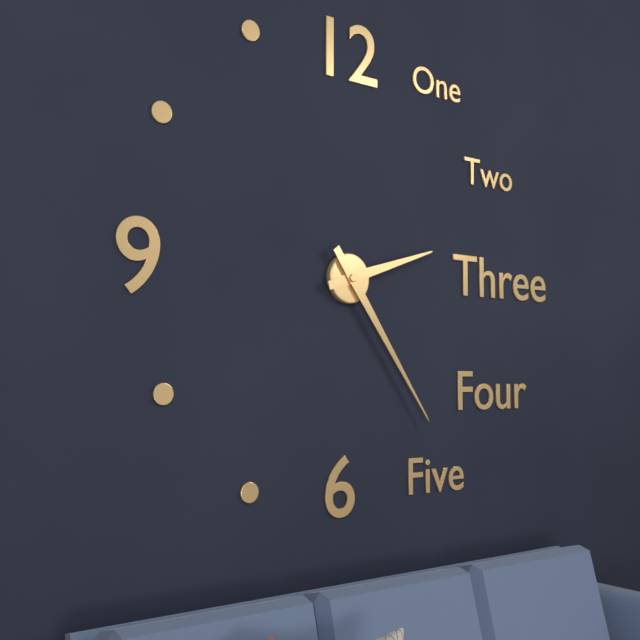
2:24
